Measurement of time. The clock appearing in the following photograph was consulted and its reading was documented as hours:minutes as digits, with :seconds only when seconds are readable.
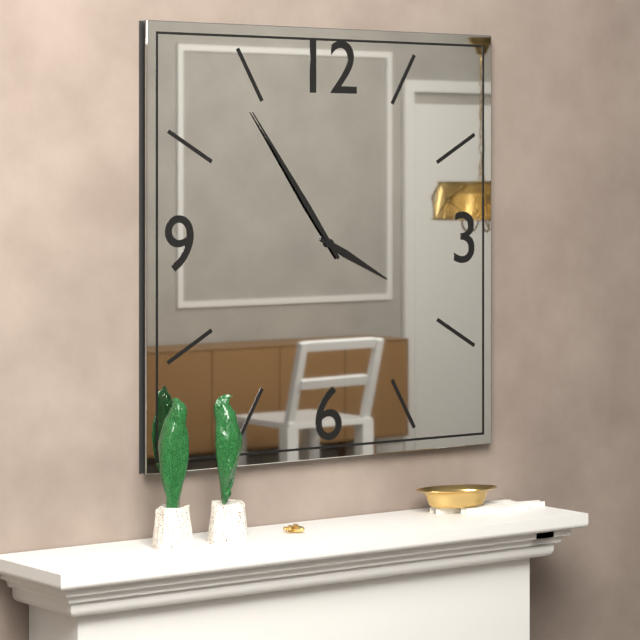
3:54
